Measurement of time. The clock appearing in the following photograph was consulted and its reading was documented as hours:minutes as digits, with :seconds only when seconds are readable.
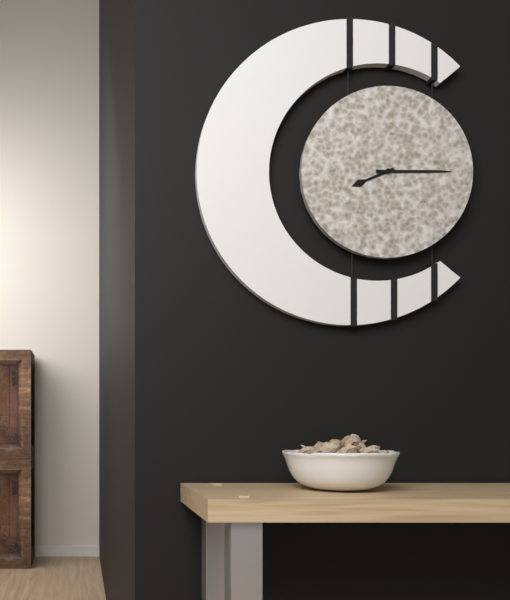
8:15
